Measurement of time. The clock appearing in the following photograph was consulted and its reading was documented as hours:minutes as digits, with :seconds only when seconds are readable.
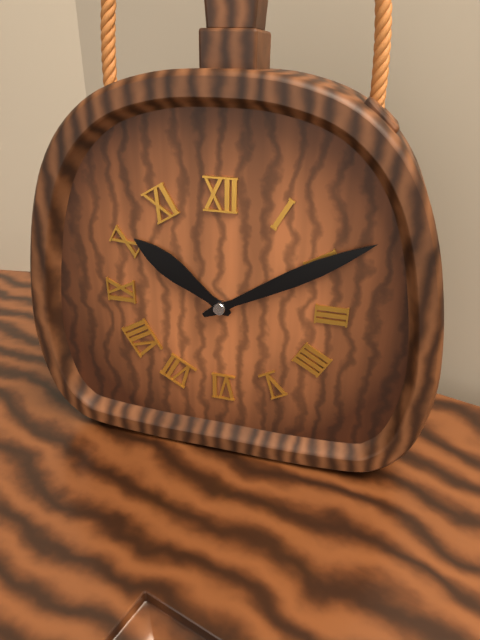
10:10
